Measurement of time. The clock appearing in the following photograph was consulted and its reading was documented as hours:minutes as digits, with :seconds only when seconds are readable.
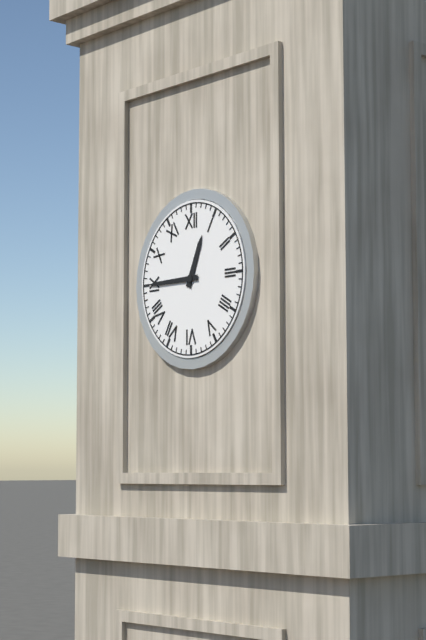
12:45
